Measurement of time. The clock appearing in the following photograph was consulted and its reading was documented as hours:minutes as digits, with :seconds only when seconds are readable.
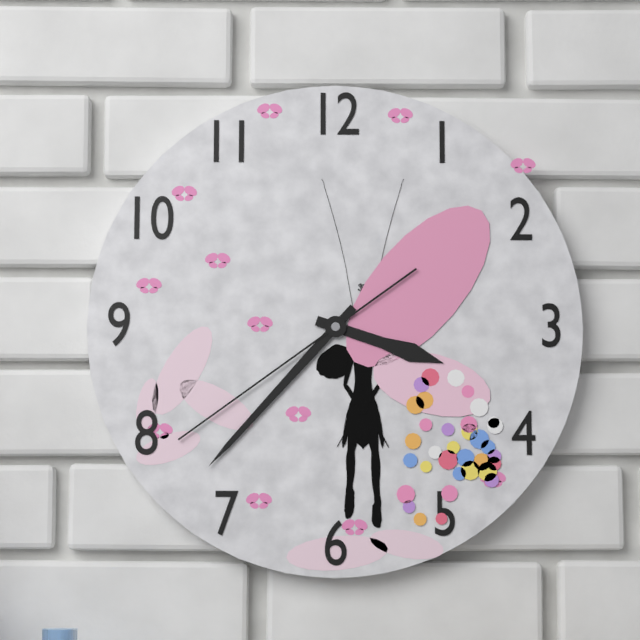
3:37:39
